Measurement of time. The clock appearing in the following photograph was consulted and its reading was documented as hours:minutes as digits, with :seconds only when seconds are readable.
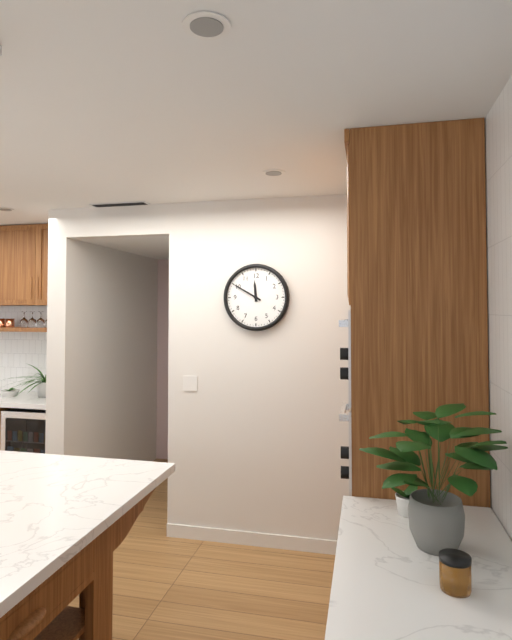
11:50
